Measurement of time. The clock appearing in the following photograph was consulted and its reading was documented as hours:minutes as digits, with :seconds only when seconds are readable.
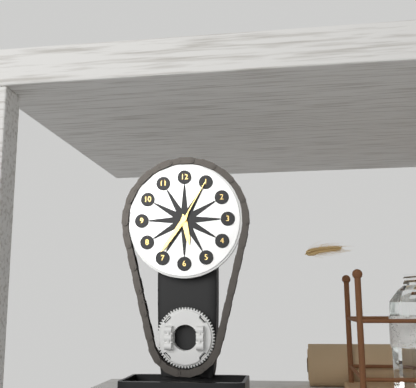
5:36:05
